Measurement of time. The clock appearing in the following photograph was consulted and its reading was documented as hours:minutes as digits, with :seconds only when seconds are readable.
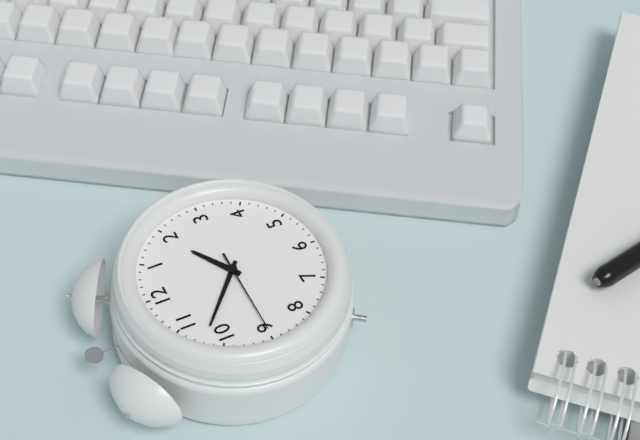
1:52:45
